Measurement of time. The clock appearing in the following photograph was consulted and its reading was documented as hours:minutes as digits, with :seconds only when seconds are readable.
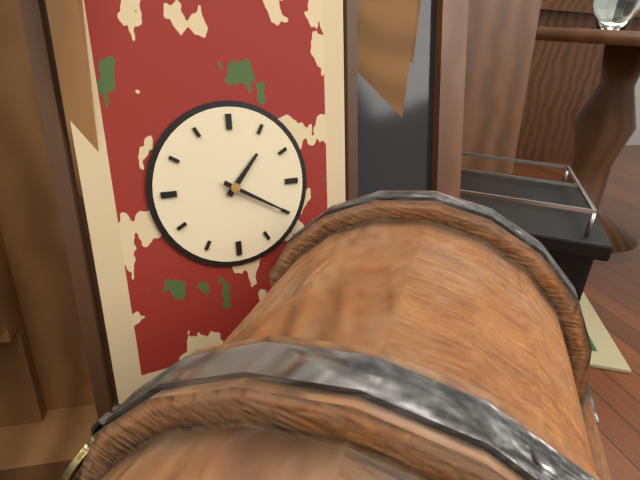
1:20
